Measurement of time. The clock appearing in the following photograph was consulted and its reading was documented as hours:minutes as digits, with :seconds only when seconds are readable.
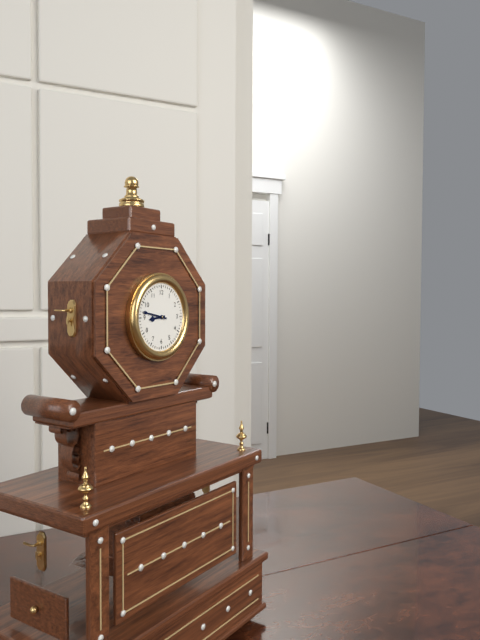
8:47
